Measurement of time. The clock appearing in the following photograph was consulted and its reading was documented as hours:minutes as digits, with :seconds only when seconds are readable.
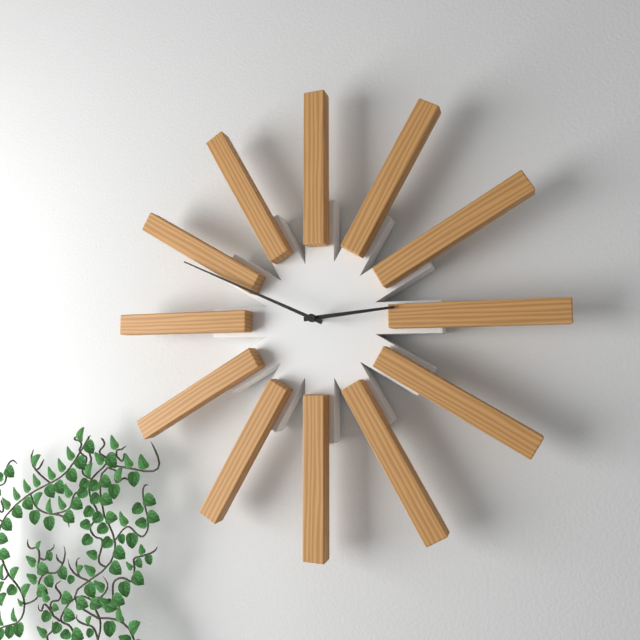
2:49
